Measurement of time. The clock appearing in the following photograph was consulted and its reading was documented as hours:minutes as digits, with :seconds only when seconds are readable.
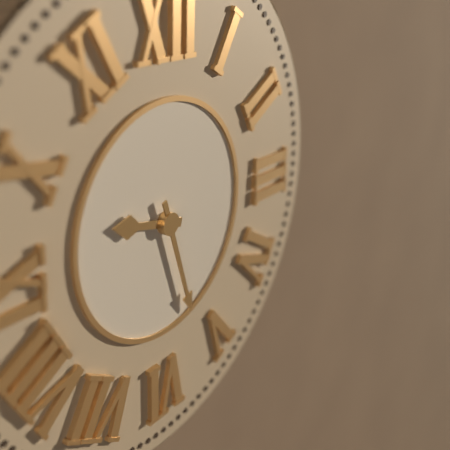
9:27
